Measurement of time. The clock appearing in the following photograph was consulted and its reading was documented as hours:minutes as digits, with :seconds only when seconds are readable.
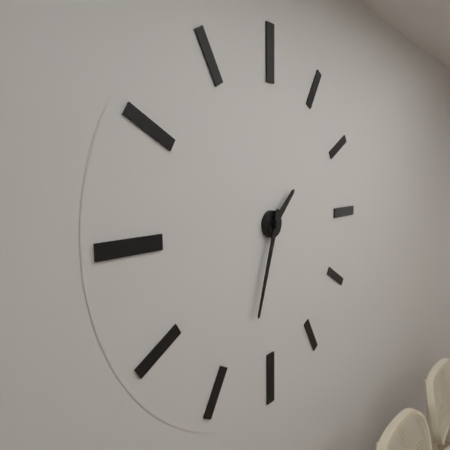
1:33
